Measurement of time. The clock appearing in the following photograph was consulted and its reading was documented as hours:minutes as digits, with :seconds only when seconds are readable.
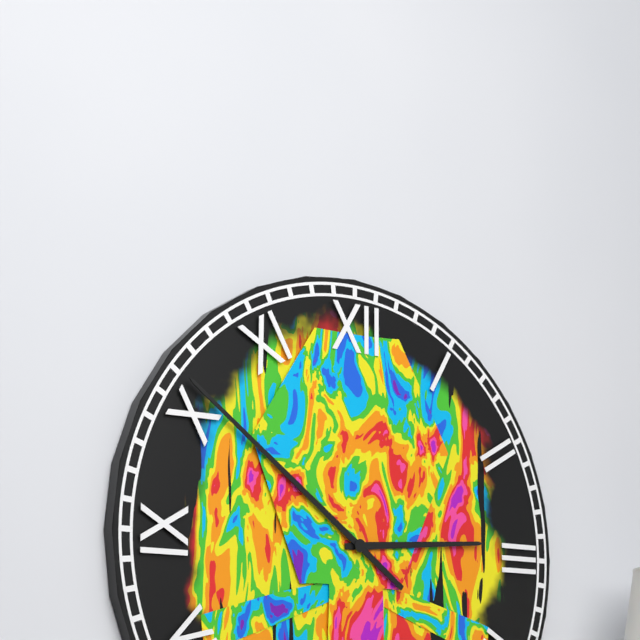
2:51
